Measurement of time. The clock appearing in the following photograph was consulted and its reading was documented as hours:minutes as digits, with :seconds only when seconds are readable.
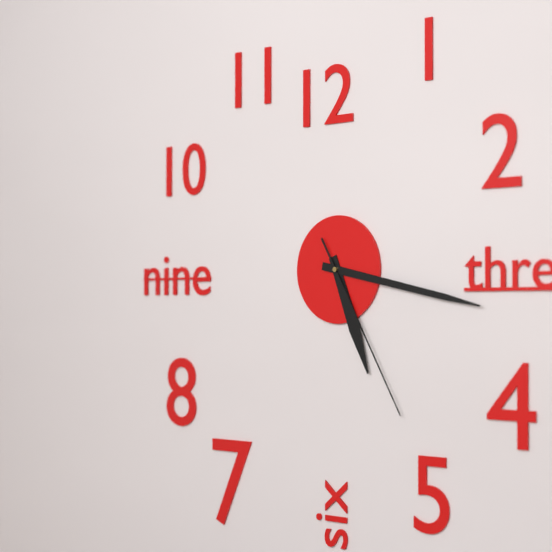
5:17:25
